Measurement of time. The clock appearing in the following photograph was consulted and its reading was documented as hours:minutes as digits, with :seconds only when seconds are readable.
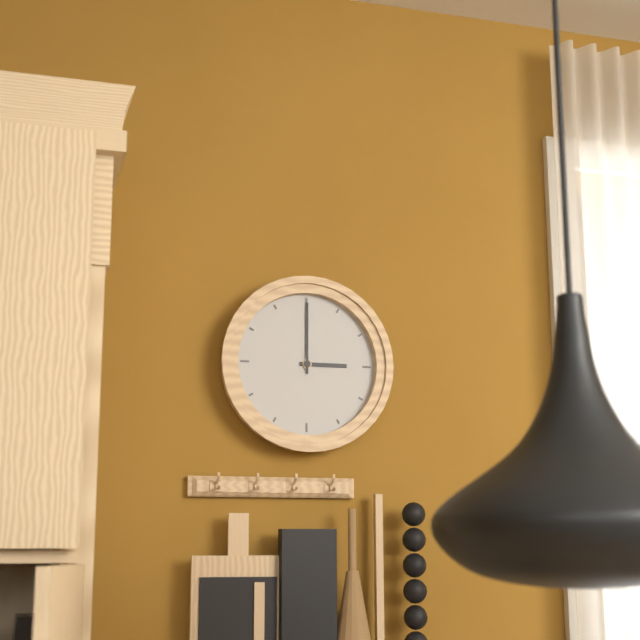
3:00
